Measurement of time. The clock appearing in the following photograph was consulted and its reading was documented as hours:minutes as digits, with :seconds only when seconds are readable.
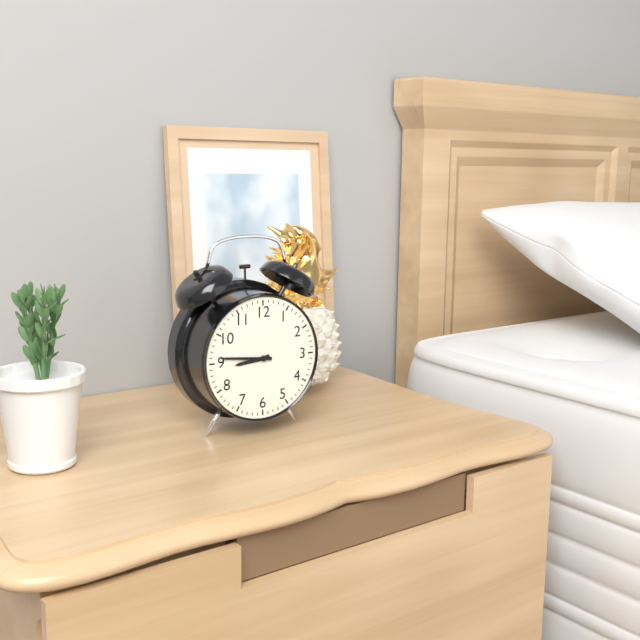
8:46
